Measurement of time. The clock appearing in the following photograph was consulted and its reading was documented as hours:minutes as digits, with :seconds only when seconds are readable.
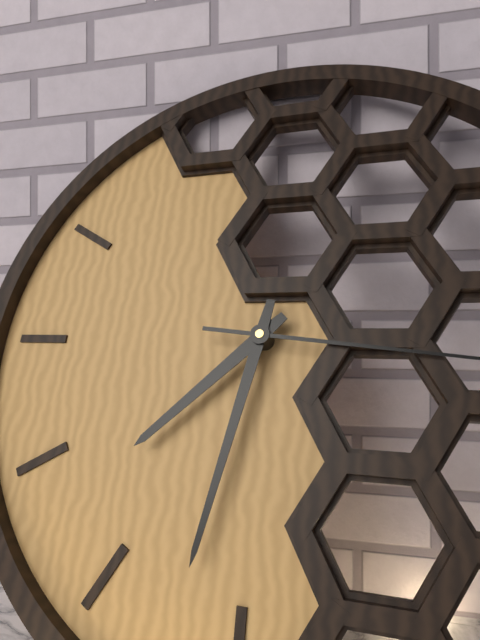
7:32
